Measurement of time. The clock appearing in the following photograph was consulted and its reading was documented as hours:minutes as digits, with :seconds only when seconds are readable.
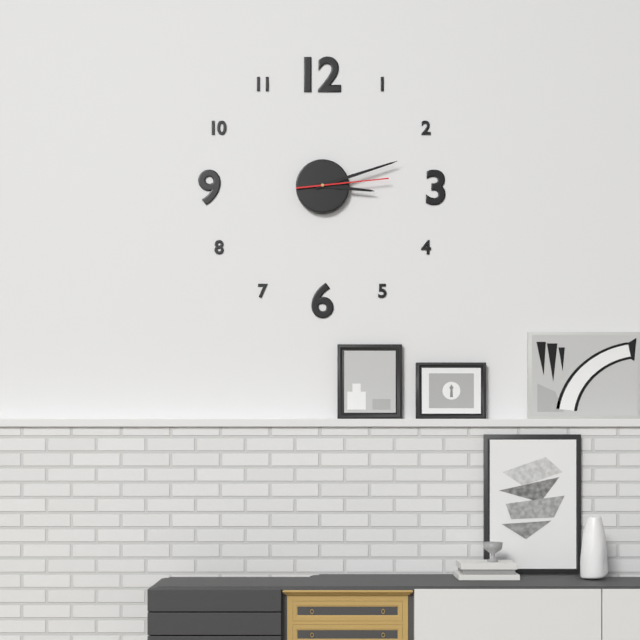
3:12:14
